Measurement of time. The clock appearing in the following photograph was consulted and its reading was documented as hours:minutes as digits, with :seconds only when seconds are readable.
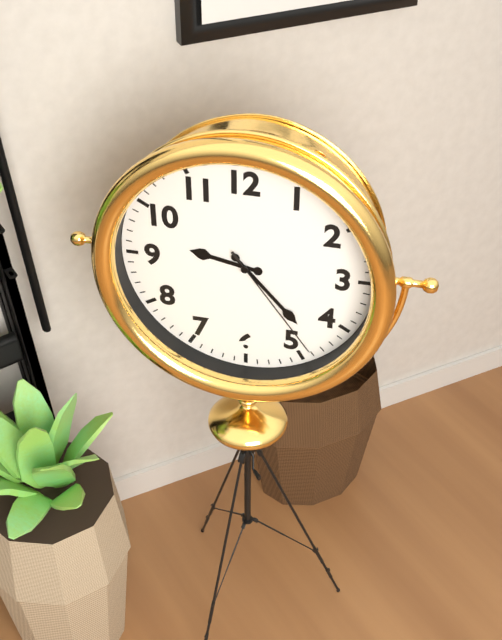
9:23:24
